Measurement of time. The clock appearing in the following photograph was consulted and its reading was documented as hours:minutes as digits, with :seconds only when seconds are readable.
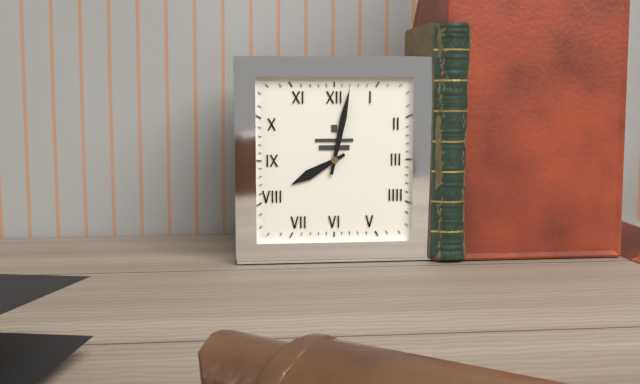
8:02
